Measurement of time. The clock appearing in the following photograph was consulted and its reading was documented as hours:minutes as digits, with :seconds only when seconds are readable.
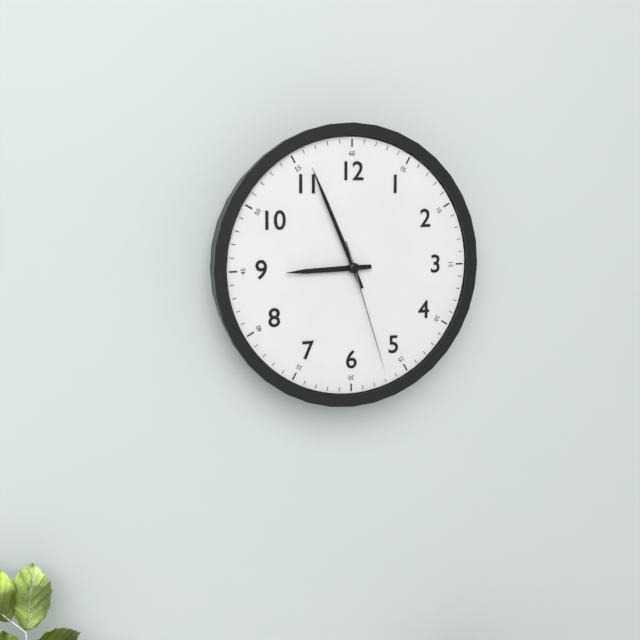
8:56:27
